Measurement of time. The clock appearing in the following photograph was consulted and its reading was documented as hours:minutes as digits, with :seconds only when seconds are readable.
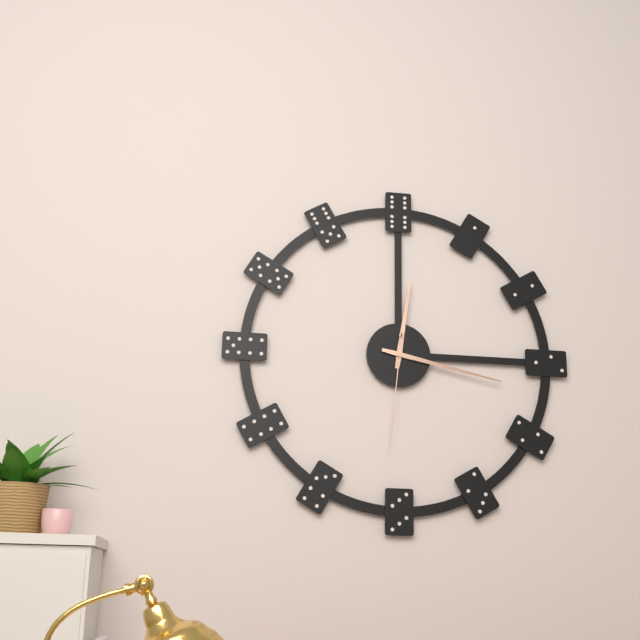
12:17:31
